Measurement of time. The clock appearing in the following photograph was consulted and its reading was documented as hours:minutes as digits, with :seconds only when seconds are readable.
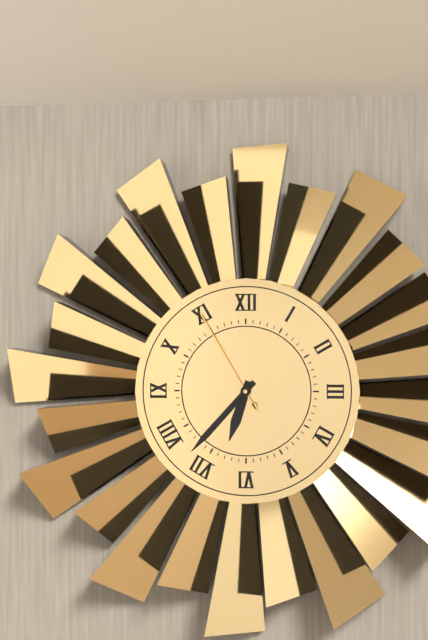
6:37:55
